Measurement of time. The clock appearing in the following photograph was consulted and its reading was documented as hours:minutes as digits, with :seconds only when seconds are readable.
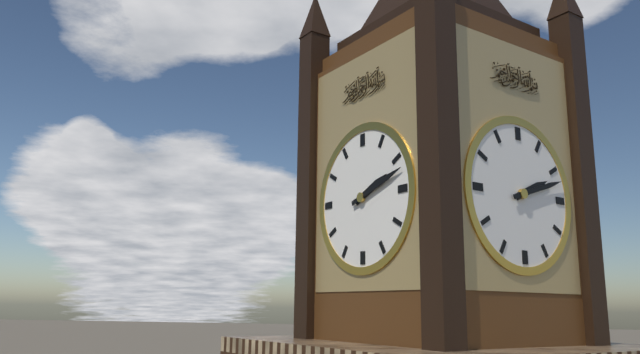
2:12
